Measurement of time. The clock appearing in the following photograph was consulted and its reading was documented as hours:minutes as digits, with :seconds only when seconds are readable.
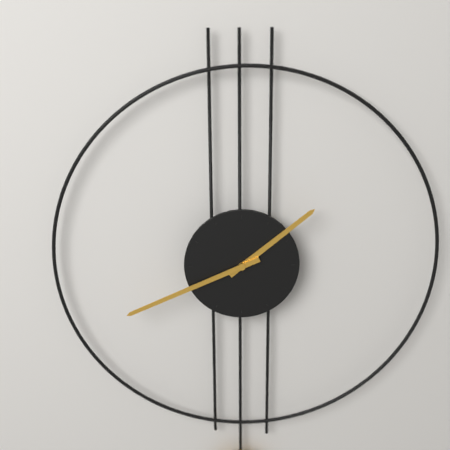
1:41
